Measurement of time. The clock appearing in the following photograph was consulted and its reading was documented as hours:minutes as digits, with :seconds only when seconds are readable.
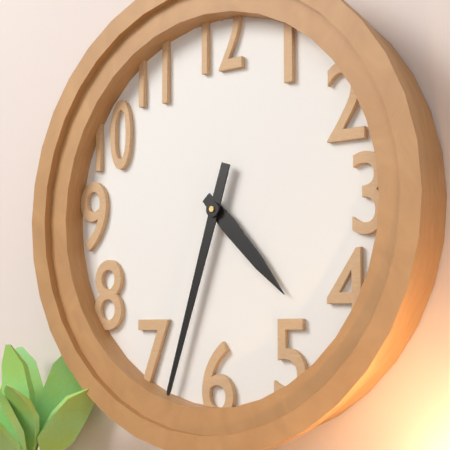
4:33
